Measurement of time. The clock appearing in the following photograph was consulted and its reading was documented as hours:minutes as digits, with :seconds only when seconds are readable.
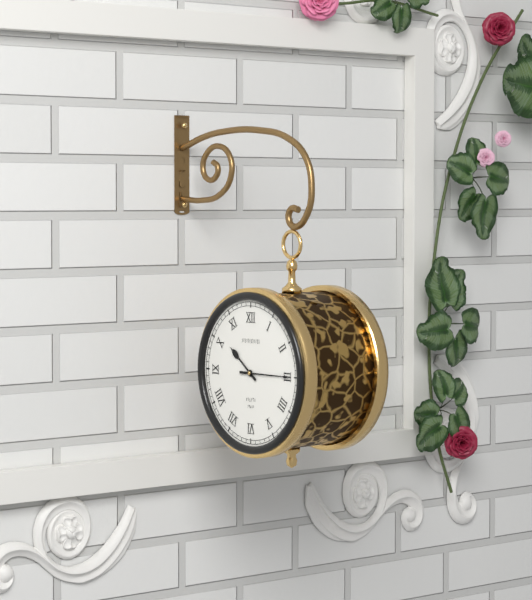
10:15
